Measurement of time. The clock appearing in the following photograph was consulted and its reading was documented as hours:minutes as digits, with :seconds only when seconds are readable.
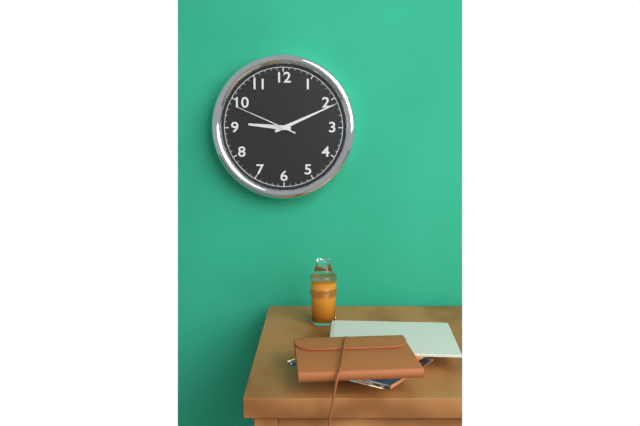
9:11:49
